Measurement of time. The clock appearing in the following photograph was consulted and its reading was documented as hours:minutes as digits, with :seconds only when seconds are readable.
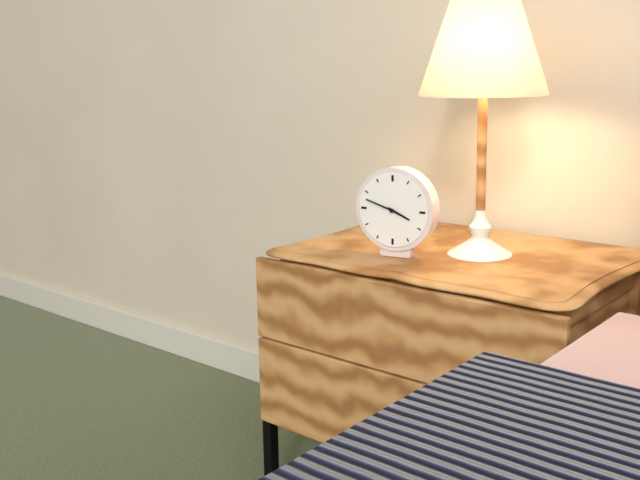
3:48
